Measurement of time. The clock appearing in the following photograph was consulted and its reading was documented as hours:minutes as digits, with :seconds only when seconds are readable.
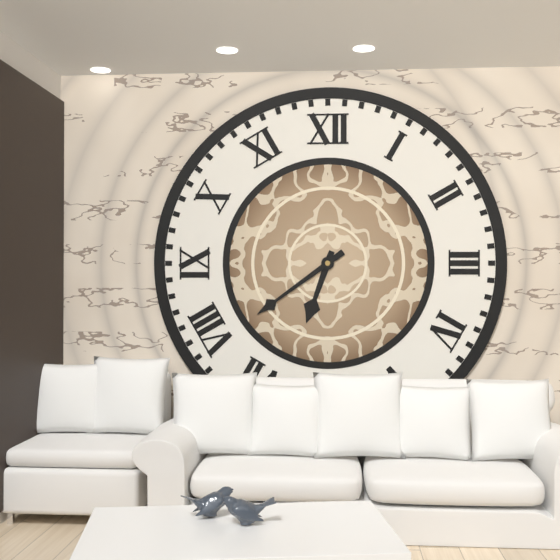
6:39
